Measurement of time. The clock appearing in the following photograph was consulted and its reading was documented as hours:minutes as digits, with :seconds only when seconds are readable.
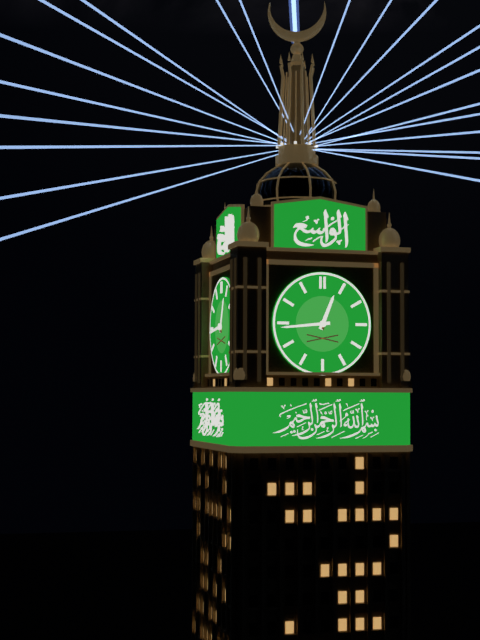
12:44
